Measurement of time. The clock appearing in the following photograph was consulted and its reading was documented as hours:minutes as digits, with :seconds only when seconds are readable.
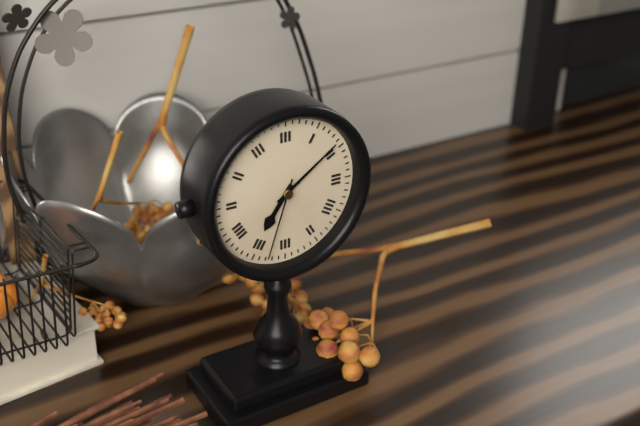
7:09:33
